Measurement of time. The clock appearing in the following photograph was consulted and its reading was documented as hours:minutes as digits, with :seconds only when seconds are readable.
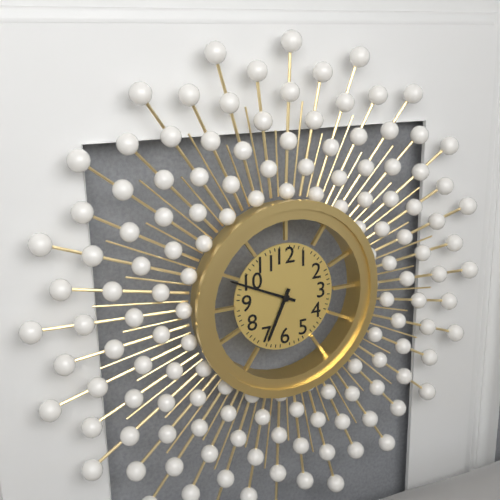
6:49
